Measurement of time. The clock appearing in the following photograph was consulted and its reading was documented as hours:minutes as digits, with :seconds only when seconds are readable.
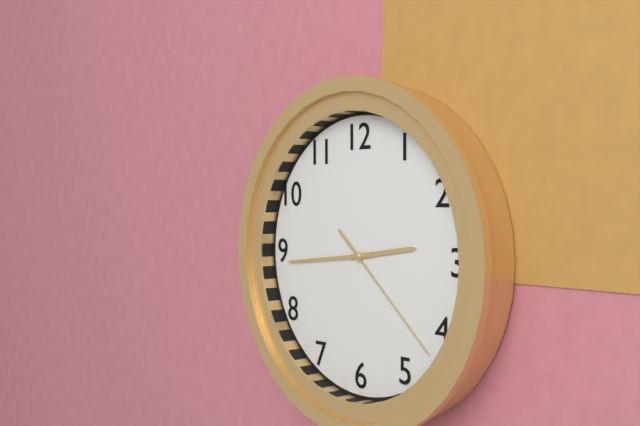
2:44:22
